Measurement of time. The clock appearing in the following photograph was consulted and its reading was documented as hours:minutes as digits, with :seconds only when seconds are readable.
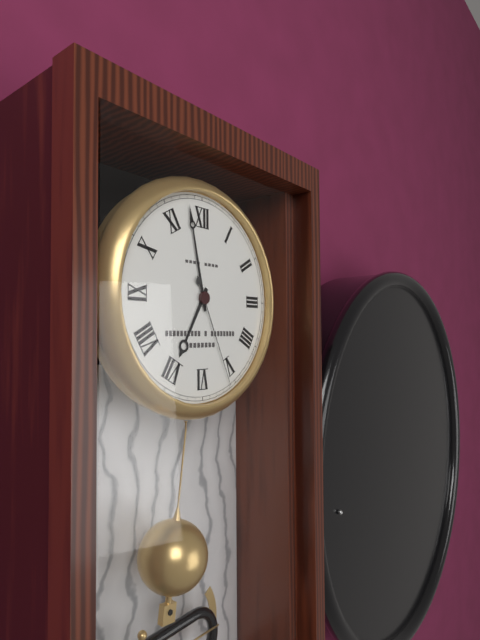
6:58:26
